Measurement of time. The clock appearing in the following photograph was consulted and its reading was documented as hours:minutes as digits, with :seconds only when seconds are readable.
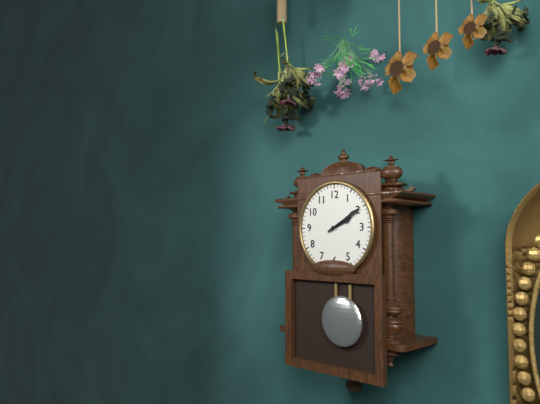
2:10
